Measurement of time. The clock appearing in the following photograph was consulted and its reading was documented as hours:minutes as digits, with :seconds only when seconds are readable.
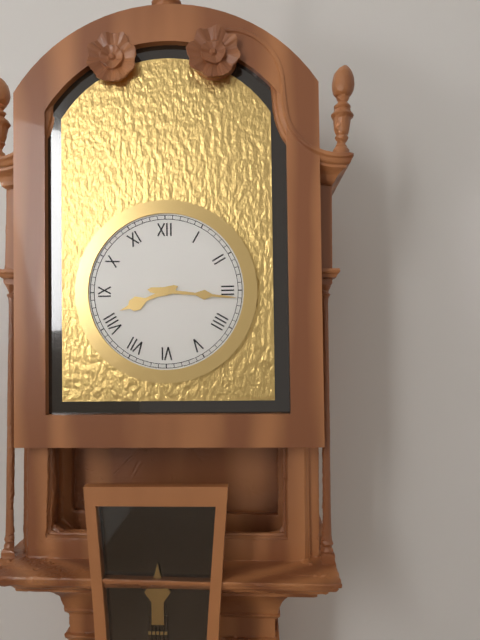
8:16
